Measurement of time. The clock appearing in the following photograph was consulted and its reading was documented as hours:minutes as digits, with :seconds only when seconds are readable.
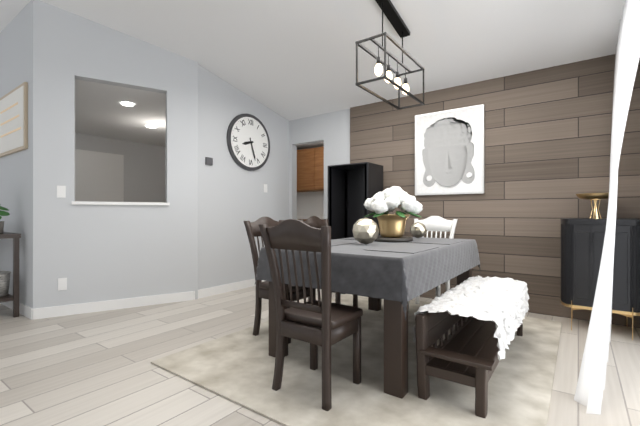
8:27
